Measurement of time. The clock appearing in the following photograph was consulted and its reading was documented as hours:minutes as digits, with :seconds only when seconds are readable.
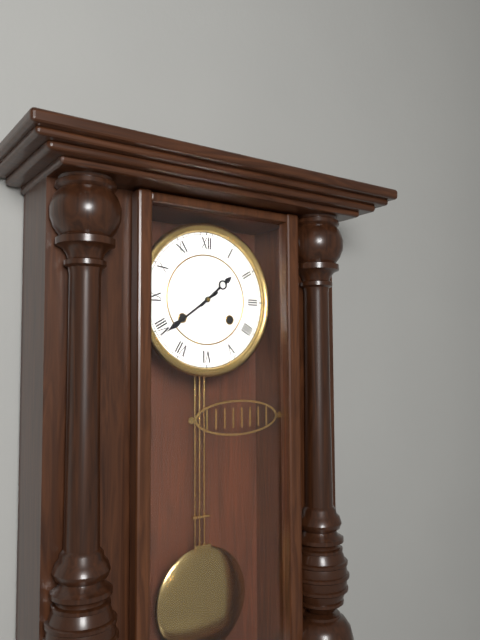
1:39
